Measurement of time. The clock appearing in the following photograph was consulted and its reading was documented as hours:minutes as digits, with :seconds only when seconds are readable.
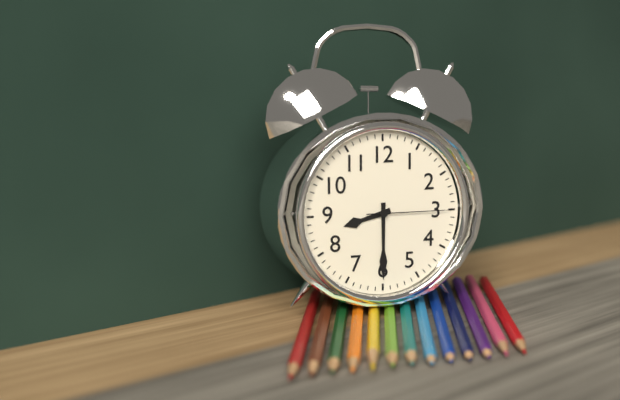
8:30:15
